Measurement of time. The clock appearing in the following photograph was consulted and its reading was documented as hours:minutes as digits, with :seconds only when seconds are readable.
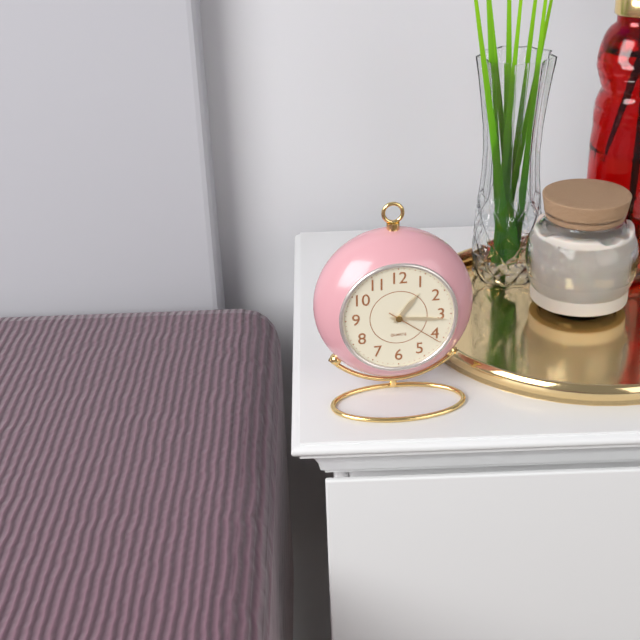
1:16:21
